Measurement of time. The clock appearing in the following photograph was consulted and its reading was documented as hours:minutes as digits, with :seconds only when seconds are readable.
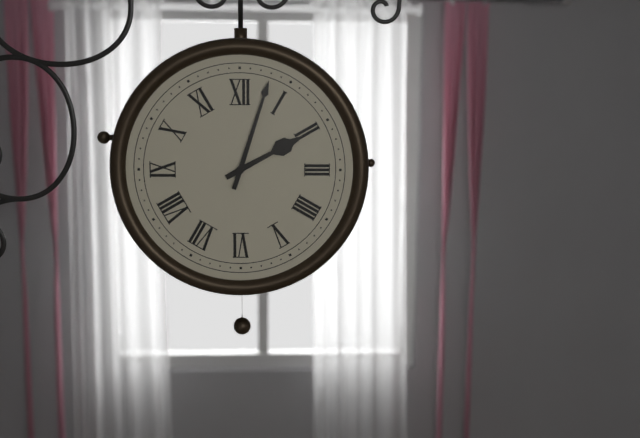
2:03
